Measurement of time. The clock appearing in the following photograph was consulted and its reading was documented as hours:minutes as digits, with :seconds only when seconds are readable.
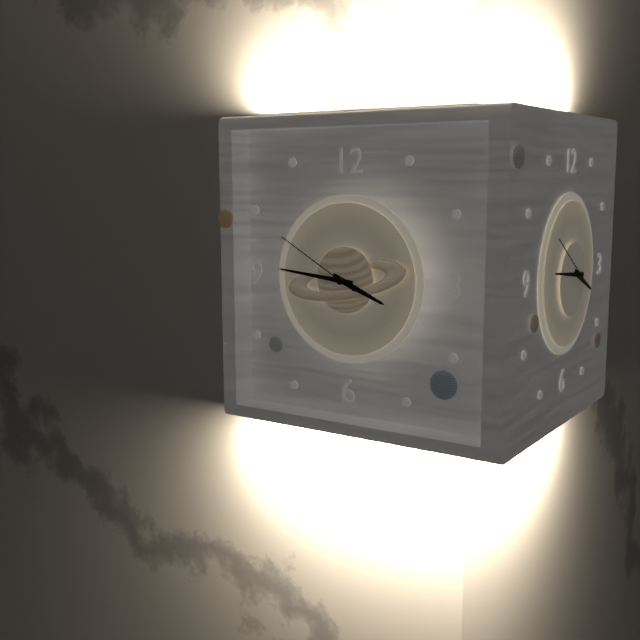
3:46:50
